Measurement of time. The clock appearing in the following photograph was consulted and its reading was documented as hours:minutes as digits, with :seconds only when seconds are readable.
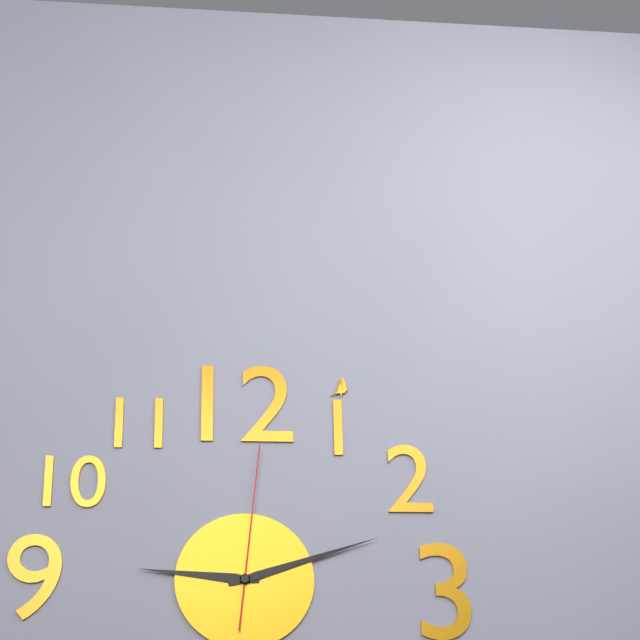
9:12:01
